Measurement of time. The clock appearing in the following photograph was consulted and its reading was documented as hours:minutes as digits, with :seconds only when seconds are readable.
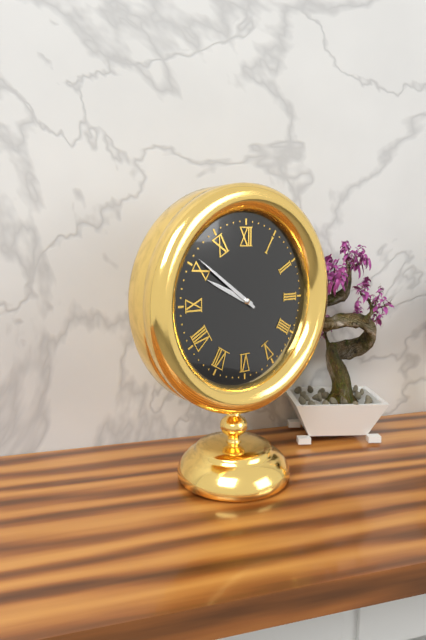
9:51
